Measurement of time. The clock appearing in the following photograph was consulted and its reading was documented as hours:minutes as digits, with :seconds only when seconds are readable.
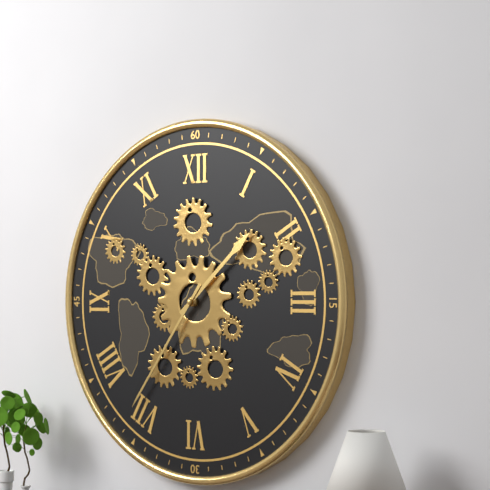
1:36
